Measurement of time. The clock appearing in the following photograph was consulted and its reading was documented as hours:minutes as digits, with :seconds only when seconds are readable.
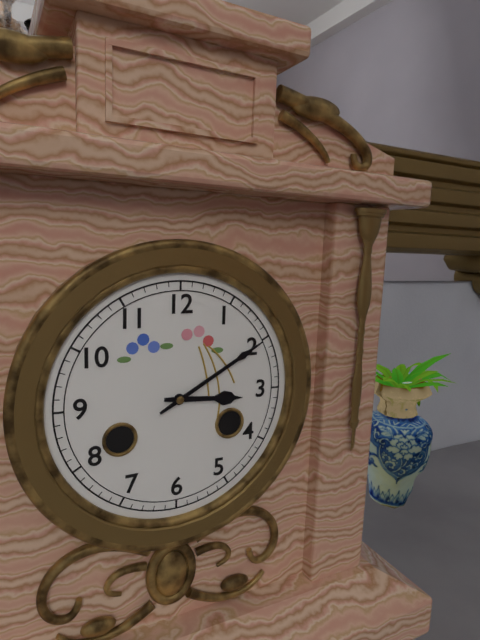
3:10
